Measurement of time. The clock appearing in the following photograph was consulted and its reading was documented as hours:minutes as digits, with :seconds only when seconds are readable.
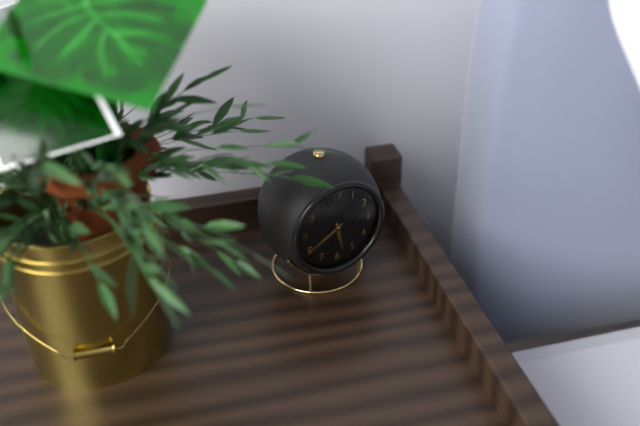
5:40
